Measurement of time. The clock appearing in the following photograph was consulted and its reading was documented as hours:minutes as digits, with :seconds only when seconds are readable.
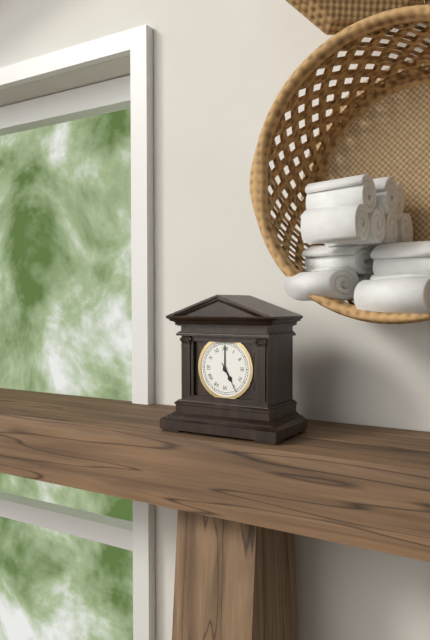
5:00
